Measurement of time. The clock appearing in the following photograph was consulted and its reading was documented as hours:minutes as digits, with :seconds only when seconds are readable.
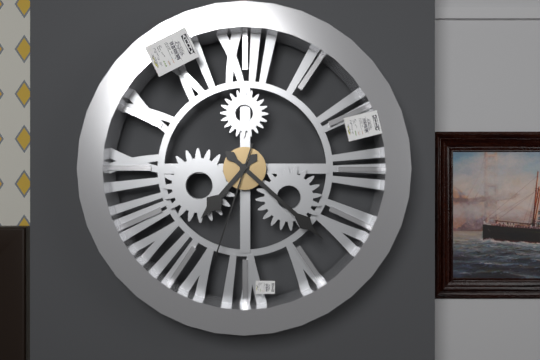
7:22:33
